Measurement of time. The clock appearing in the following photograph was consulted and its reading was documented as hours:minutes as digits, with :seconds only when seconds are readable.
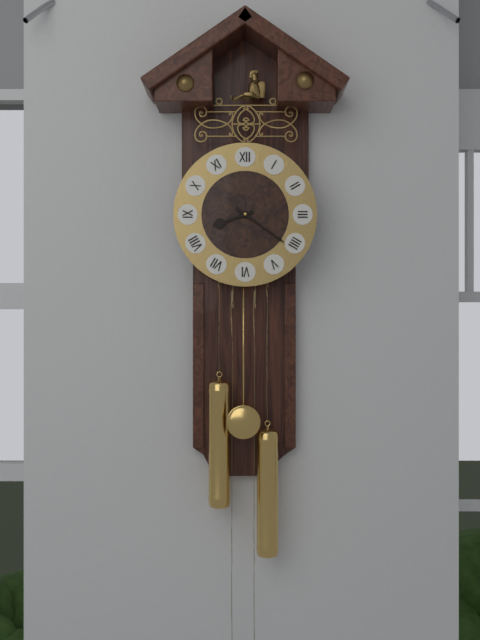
8:21
